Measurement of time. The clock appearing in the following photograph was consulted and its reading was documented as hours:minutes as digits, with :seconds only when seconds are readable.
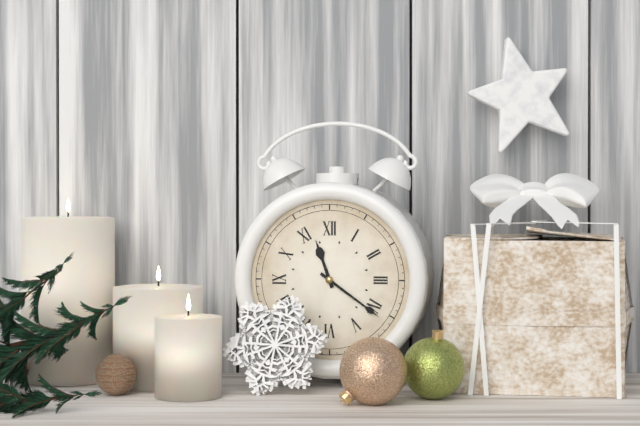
11:21
